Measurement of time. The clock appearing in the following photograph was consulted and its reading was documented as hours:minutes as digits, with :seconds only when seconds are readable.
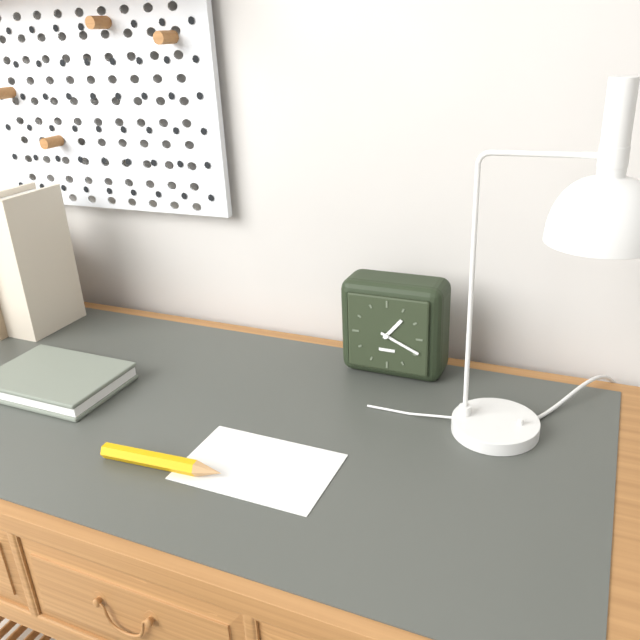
1:19
